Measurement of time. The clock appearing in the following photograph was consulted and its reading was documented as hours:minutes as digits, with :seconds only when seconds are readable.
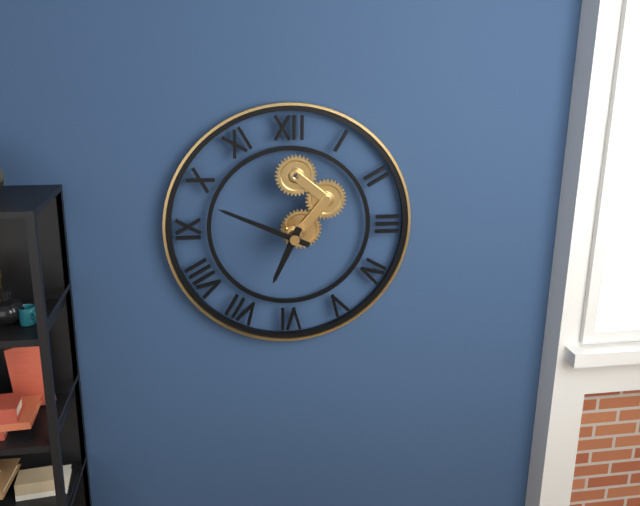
6:49
